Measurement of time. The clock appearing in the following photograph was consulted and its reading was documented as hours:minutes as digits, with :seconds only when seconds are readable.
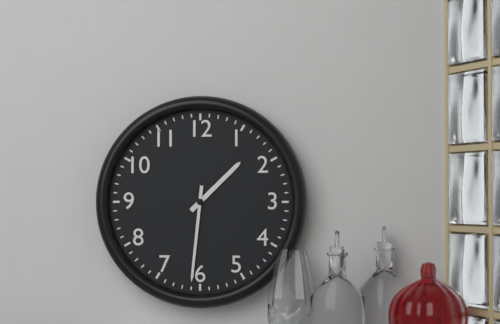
1:31
